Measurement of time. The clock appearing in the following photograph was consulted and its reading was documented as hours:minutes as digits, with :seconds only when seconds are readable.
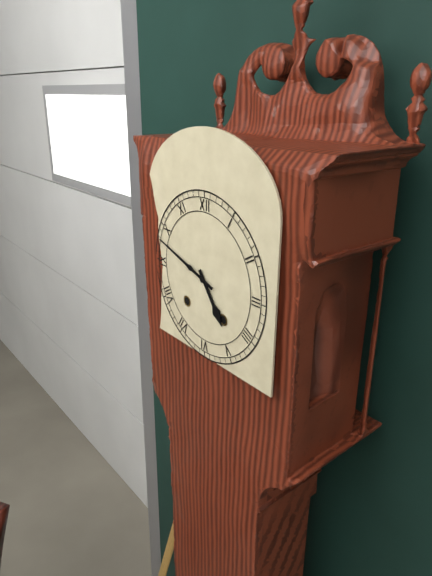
4:48
